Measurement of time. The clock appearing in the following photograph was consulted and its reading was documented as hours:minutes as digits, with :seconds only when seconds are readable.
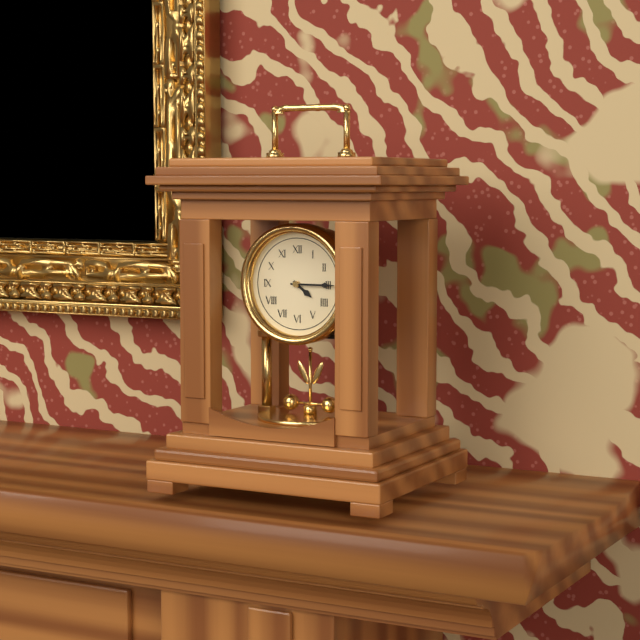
4:15
